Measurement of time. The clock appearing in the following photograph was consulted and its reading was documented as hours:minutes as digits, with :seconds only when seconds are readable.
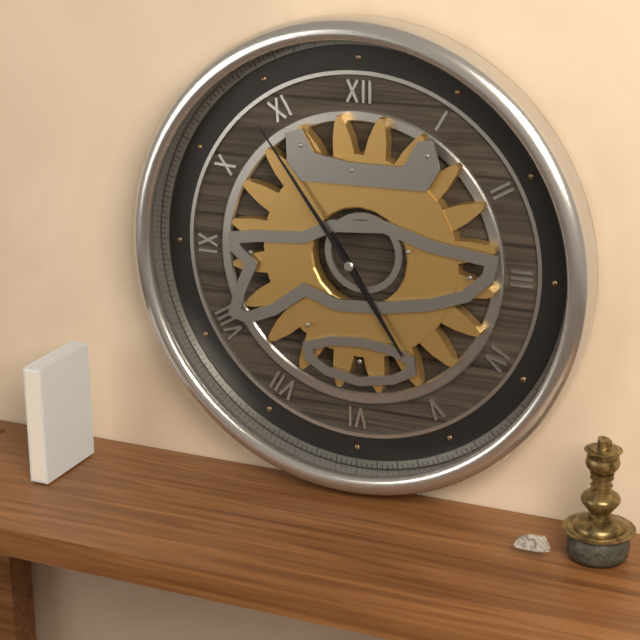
4:54
